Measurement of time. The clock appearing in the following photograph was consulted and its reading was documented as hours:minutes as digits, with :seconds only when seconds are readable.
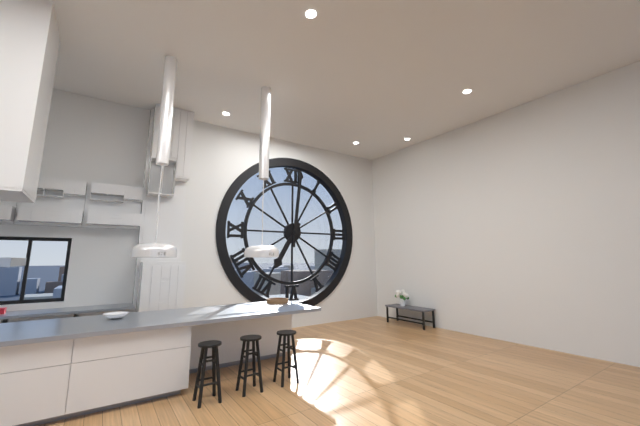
7:01
